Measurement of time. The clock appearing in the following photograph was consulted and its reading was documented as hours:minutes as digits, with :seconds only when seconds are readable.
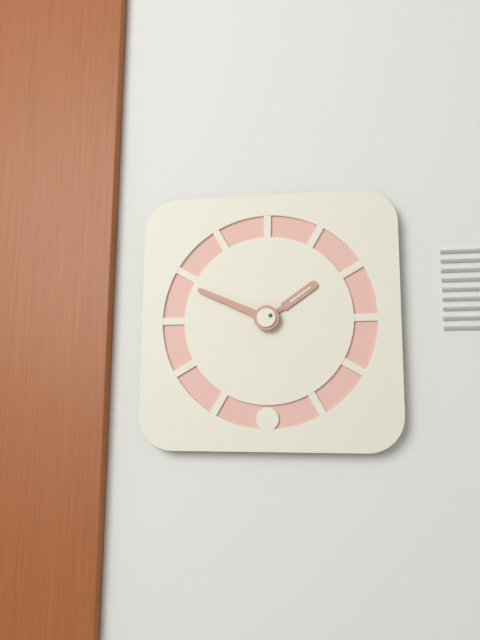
1:49
